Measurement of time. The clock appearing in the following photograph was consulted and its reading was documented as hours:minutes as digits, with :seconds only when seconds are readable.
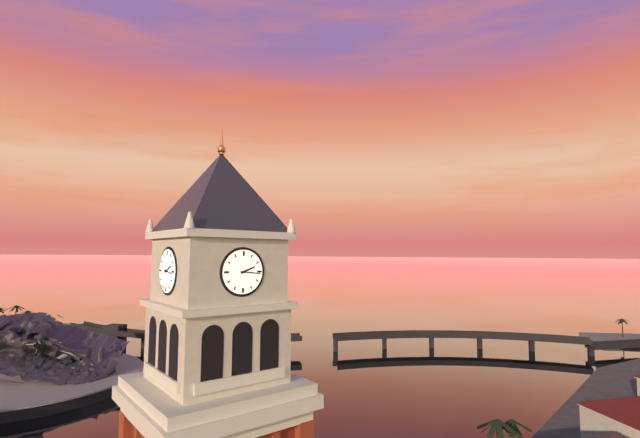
2:16
